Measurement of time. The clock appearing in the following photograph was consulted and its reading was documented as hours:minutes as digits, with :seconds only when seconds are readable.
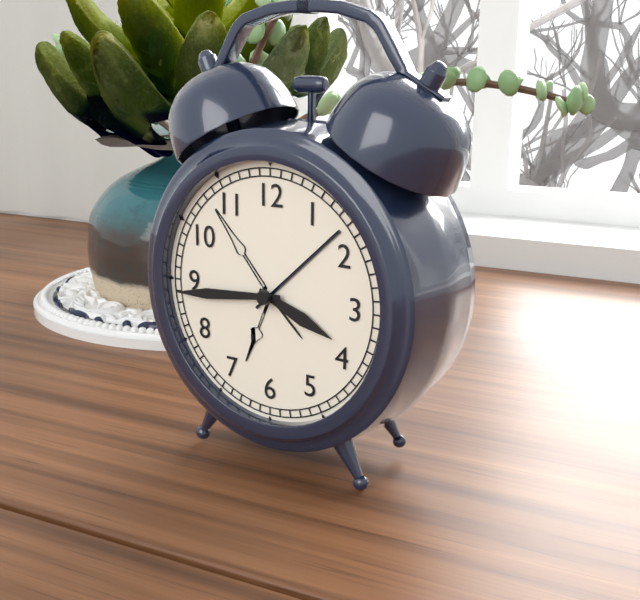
3:44
